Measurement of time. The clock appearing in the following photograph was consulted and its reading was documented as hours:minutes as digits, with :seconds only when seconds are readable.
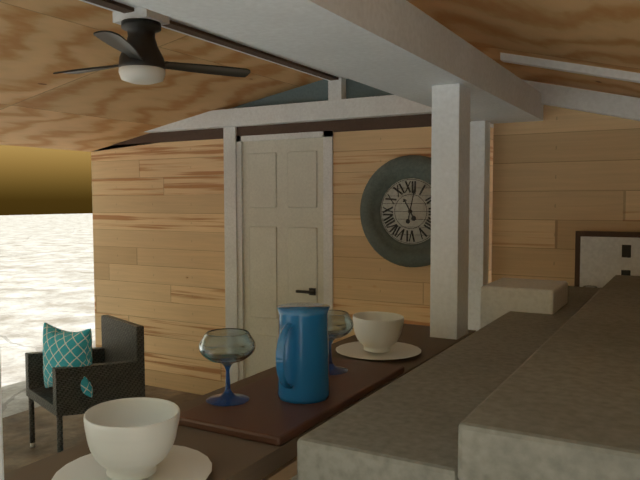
11:02
